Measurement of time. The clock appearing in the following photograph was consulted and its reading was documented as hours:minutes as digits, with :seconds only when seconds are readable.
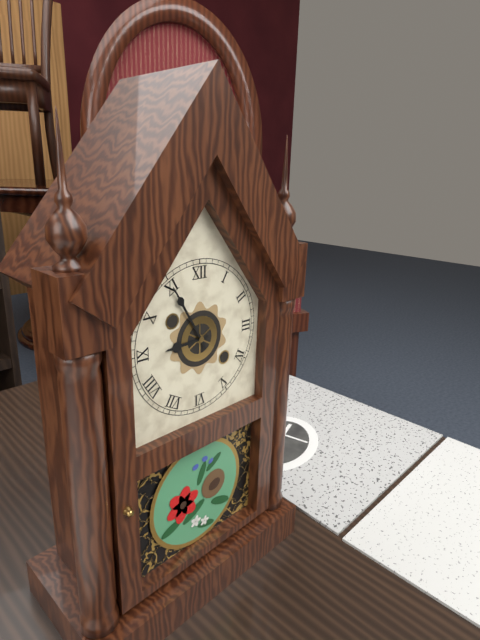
8:55
